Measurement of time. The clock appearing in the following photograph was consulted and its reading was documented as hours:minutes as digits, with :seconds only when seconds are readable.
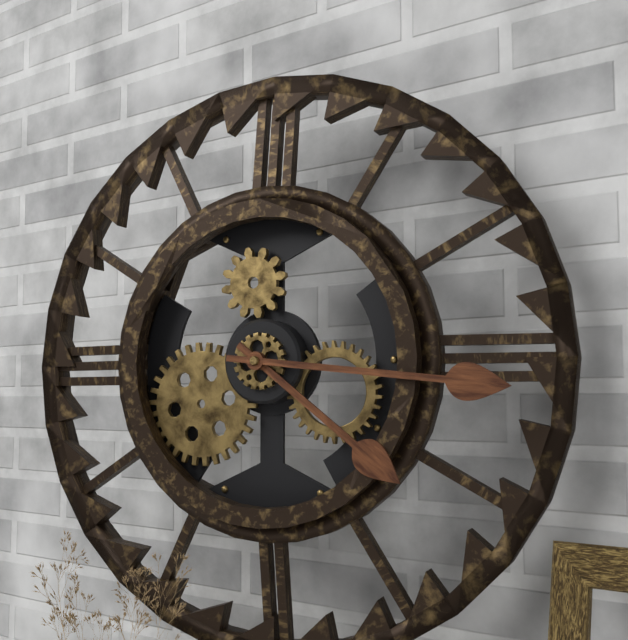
4:16
